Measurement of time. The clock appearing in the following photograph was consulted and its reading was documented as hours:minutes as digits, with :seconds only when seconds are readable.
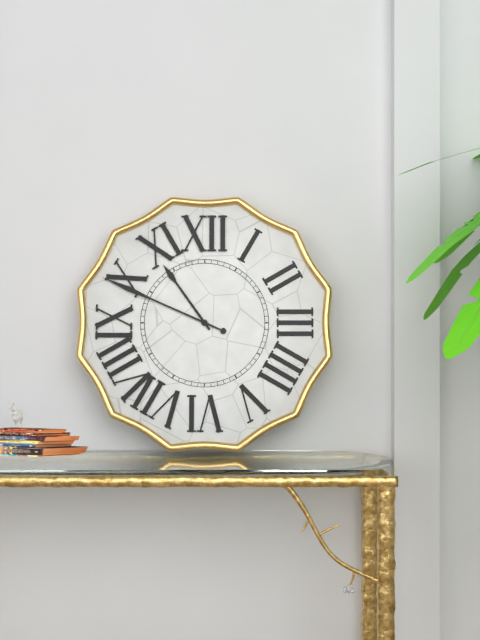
10:49
